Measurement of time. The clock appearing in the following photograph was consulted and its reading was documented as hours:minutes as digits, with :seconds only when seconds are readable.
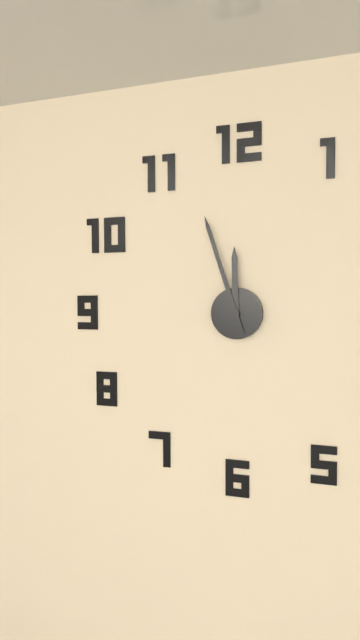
11:57
